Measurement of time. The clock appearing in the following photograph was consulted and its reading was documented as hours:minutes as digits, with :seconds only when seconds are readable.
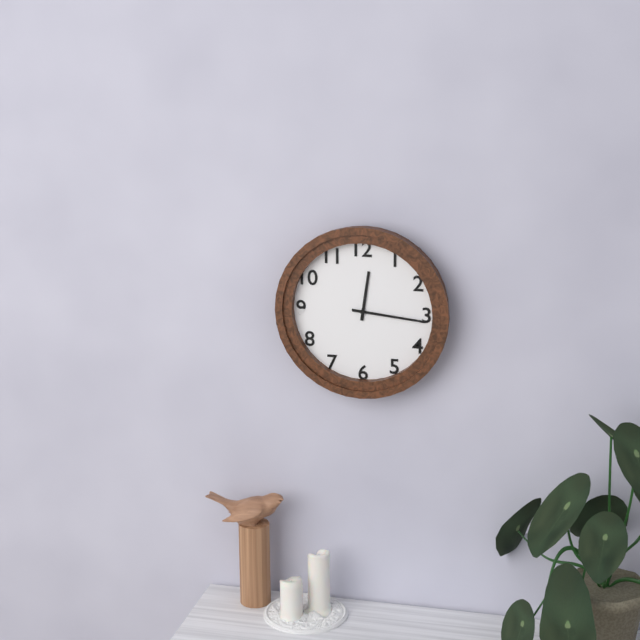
12:16
